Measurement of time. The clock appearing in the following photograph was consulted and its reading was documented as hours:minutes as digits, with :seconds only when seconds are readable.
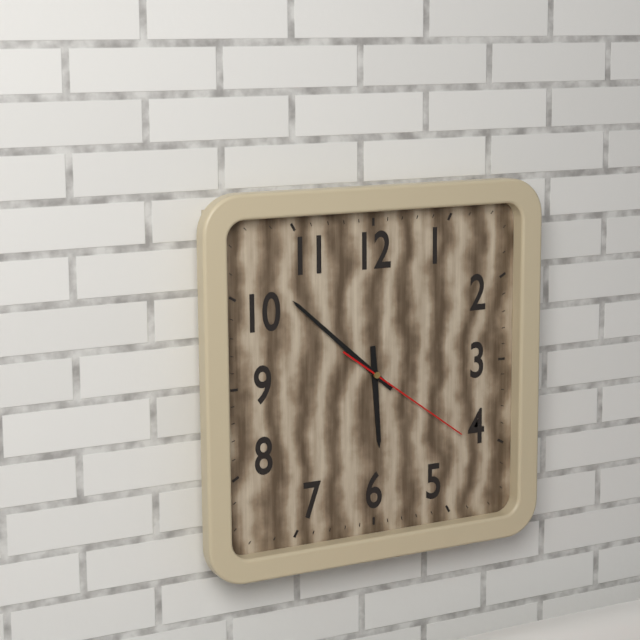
5:52:21
